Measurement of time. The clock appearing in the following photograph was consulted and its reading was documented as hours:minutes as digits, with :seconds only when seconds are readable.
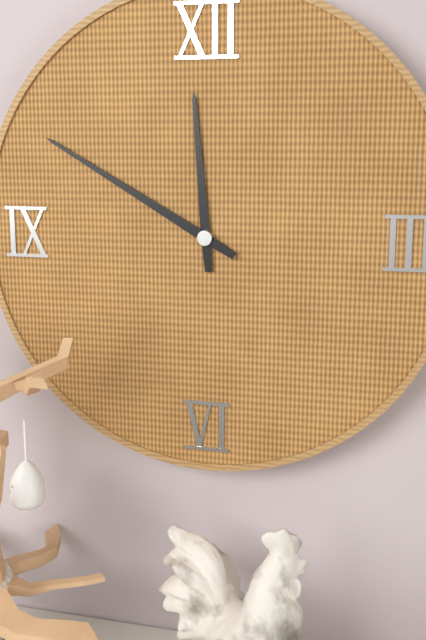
11:50
